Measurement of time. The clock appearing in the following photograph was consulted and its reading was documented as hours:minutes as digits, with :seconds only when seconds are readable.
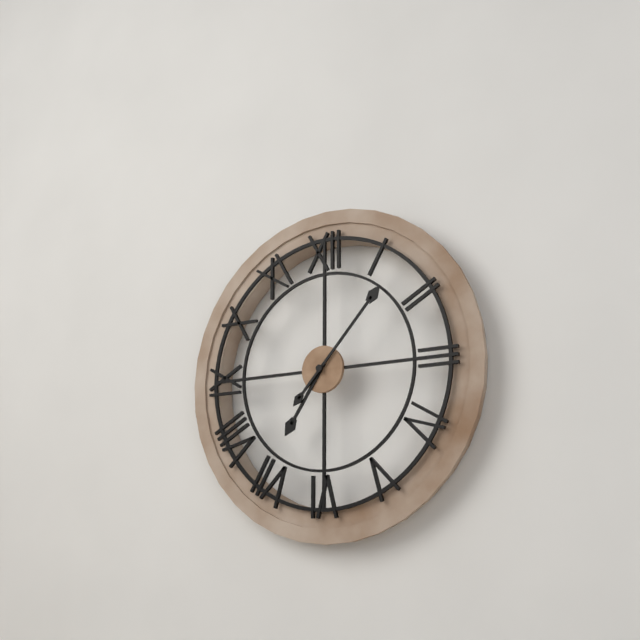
7:07
